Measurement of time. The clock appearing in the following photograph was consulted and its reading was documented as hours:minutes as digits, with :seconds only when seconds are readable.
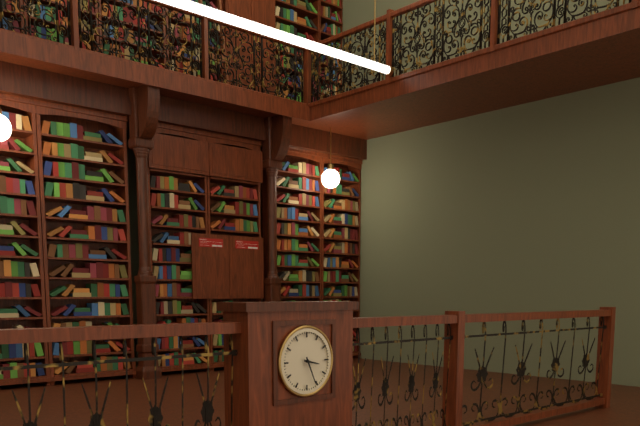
3:26
